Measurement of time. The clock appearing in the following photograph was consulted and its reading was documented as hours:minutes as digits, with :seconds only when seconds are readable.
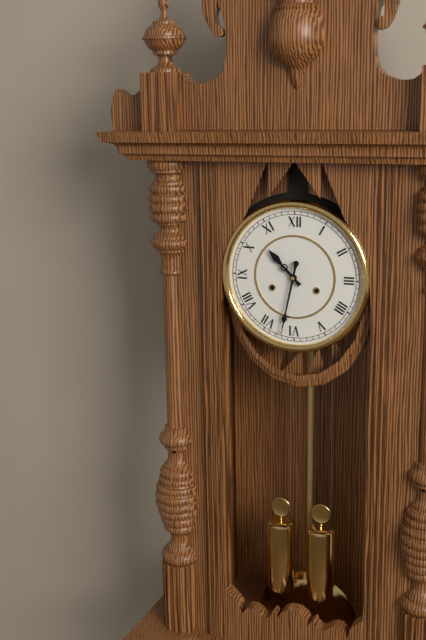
10:32
